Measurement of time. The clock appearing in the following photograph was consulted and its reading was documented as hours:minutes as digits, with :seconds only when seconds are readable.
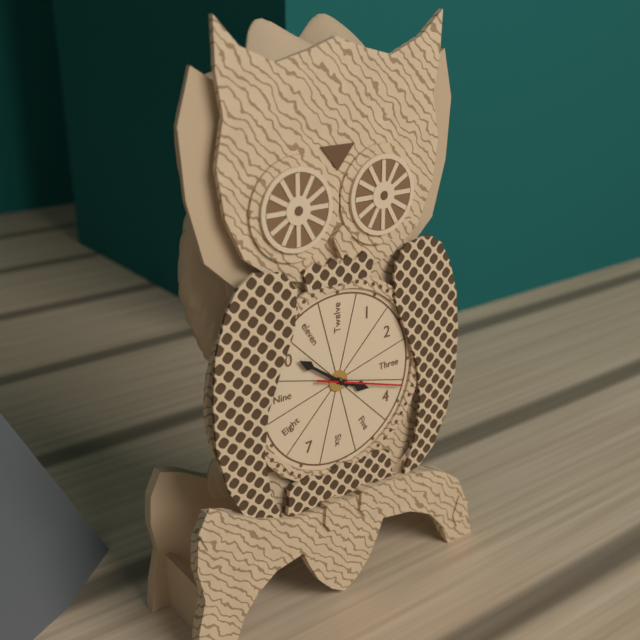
3:51:18
